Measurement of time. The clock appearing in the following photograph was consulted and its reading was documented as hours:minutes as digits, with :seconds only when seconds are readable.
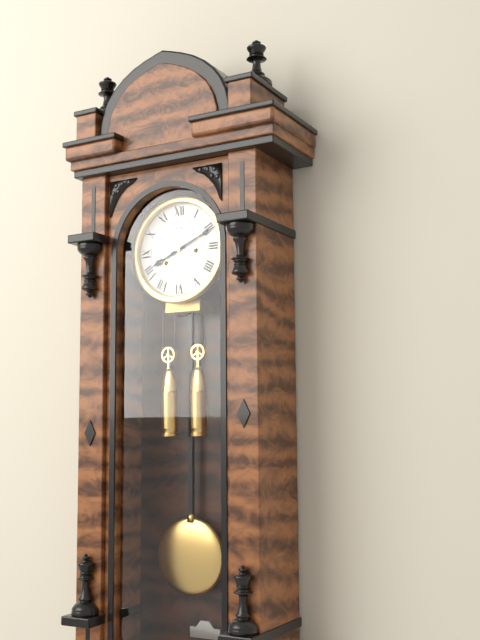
8:11
